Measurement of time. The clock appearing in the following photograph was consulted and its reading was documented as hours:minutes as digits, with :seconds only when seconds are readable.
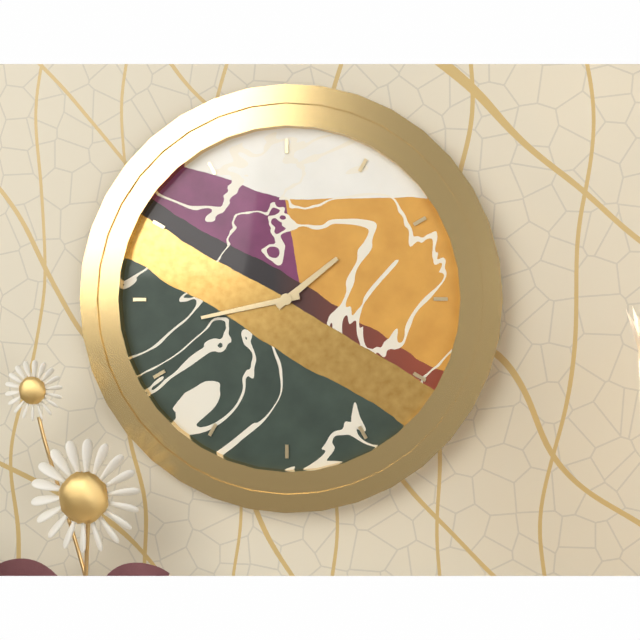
1:43
